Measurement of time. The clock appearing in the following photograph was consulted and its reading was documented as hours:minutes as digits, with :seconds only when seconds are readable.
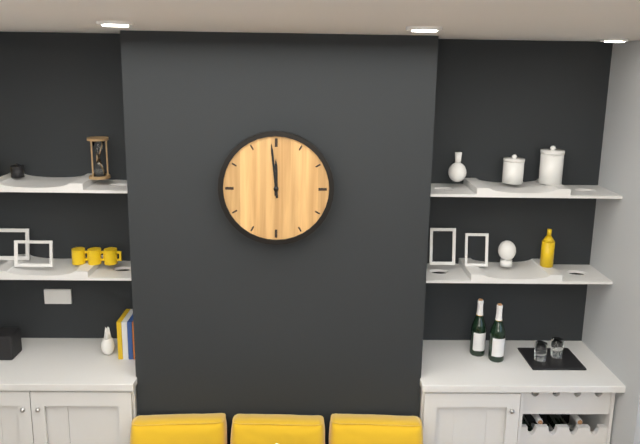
11:59
